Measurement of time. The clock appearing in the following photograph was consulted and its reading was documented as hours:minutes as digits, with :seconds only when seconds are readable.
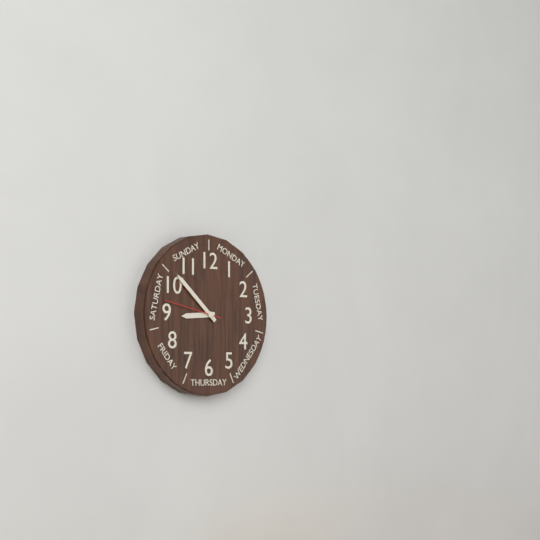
8:52
